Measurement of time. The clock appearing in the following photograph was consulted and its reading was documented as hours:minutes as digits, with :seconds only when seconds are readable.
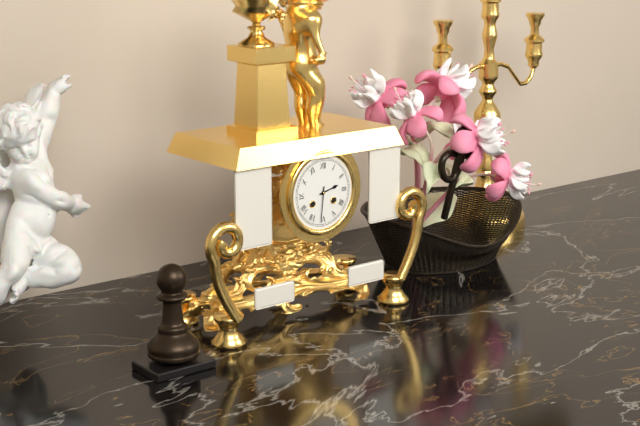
2:31
